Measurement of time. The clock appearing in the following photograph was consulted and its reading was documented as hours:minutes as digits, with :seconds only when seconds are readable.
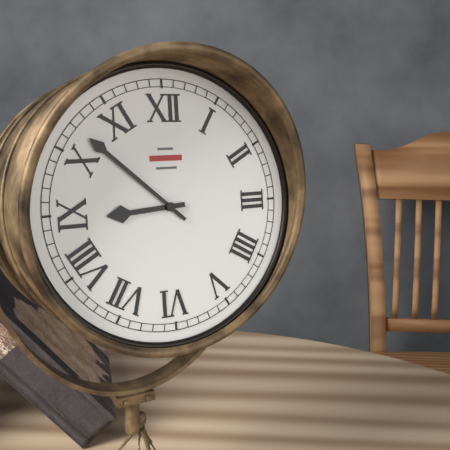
8:52
